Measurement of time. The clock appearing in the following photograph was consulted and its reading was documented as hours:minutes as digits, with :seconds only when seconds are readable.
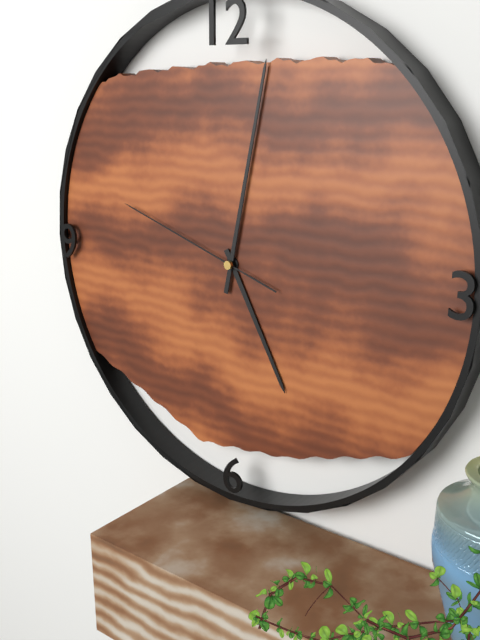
5:02:48
